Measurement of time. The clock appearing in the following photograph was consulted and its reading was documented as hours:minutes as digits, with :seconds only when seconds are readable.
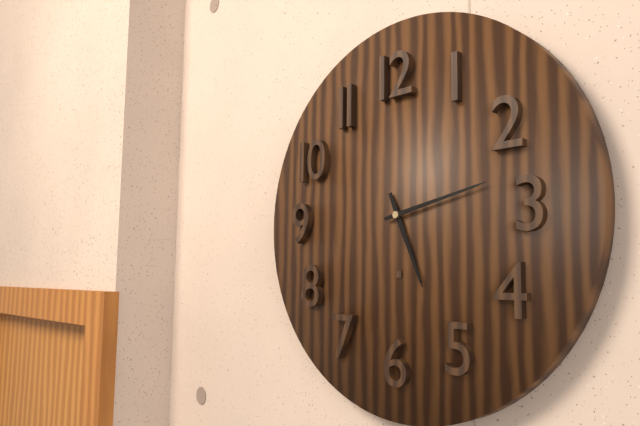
5:13
